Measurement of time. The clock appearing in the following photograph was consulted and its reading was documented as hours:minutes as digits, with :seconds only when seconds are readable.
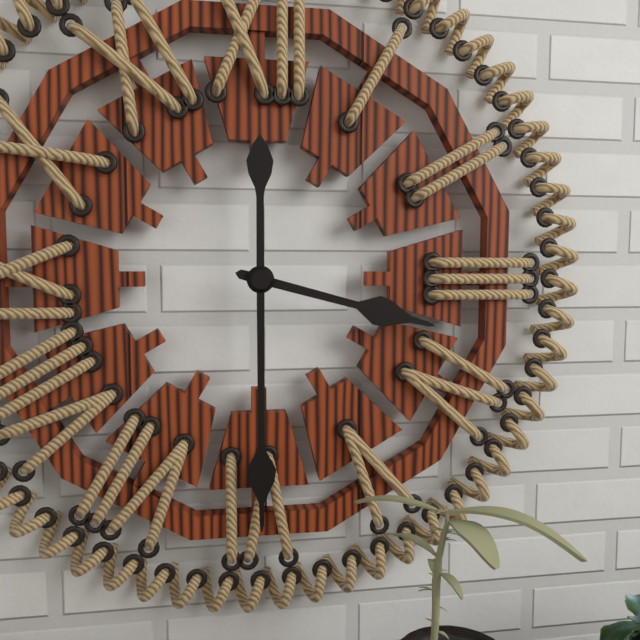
3:30
